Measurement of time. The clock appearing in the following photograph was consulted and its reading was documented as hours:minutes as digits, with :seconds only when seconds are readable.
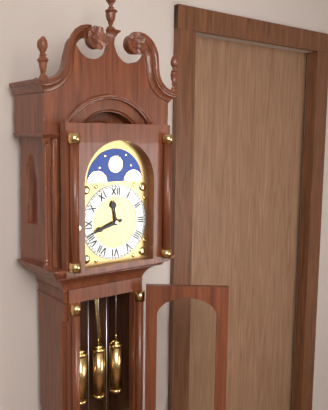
11:42
